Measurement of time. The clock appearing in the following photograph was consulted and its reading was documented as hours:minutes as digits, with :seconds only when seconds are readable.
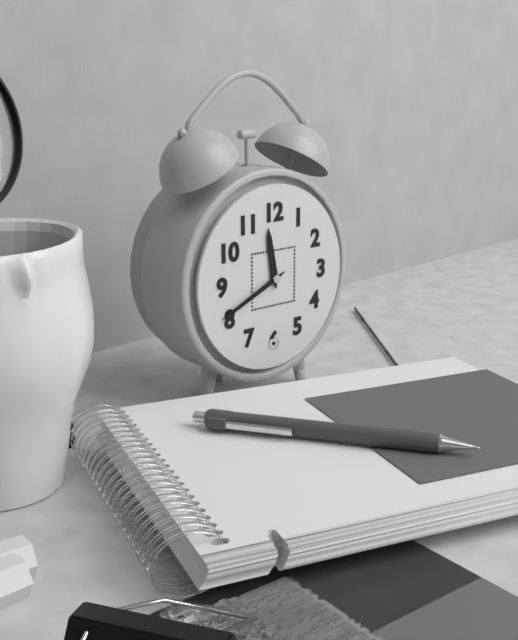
11:41
